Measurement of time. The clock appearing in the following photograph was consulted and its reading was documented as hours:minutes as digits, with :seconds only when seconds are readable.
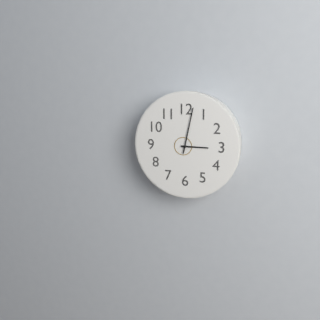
3:02
